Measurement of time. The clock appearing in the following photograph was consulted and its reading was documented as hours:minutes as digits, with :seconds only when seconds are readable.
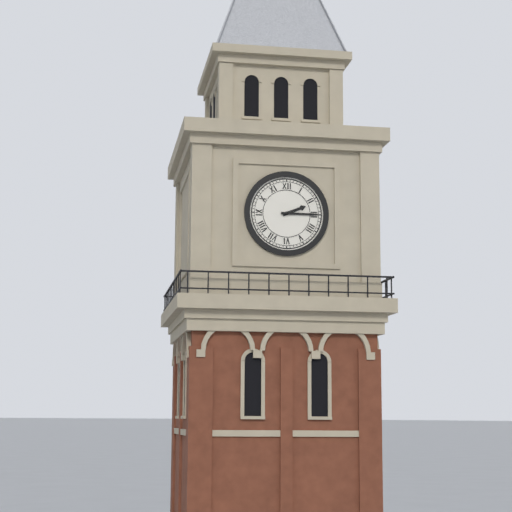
2:15
